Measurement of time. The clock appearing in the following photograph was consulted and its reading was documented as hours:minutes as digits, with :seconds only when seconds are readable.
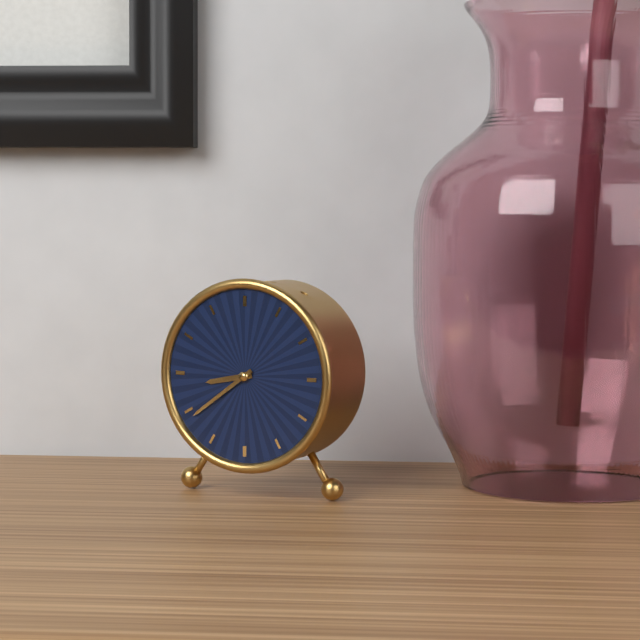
8:39
